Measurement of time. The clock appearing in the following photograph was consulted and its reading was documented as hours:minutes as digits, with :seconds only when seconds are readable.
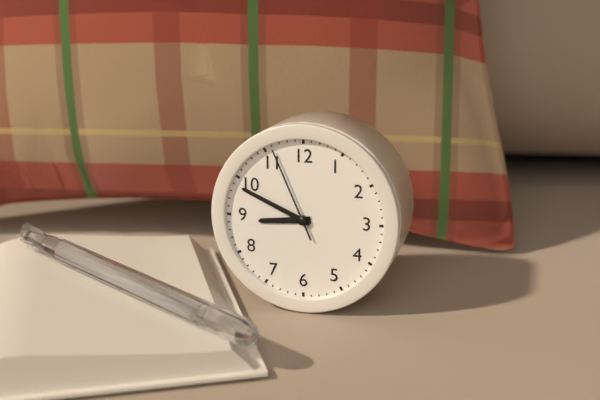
8:49:56
